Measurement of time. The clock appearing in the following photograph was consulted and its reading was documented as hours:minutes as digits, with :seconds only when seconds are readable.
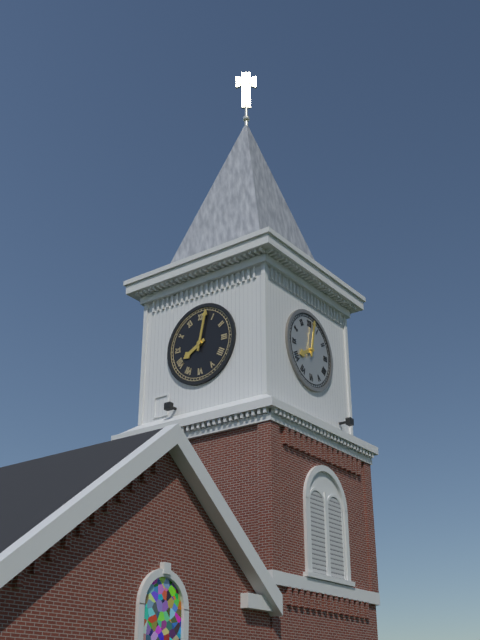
8:02
